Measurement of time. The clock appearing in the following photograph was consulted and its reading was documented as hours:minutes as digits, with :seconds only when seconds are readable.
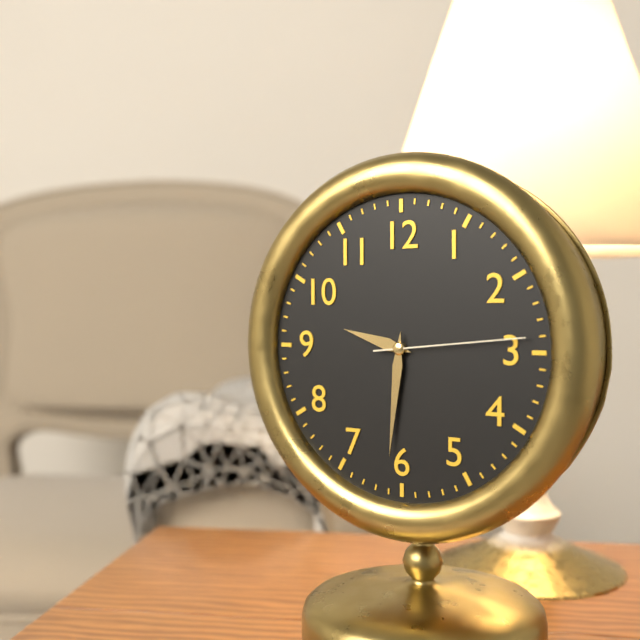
9:31:14
